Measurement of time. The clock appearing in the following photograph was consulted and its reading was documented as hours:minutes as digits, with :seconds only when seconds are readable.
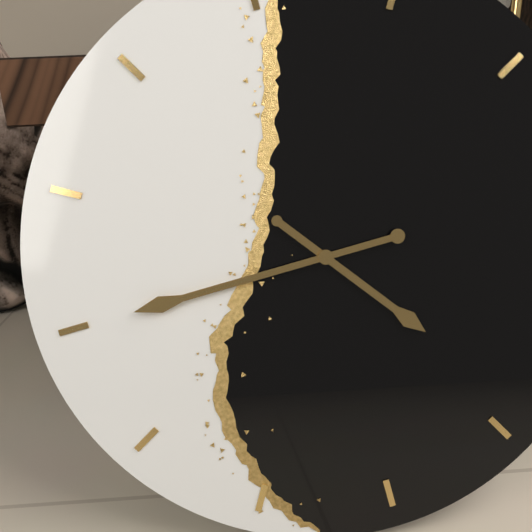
4:45
